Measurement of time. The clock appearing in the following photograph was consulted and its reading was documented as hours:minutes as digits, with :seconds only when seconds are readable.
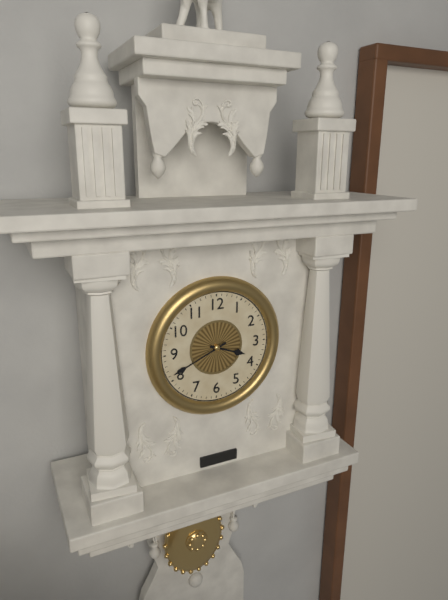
3:41
